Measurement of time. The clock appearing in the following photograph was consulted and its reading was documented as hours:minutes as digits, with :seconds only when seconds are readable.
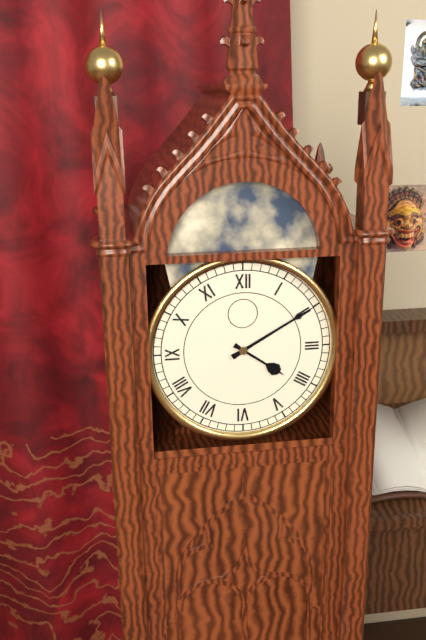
4:10
